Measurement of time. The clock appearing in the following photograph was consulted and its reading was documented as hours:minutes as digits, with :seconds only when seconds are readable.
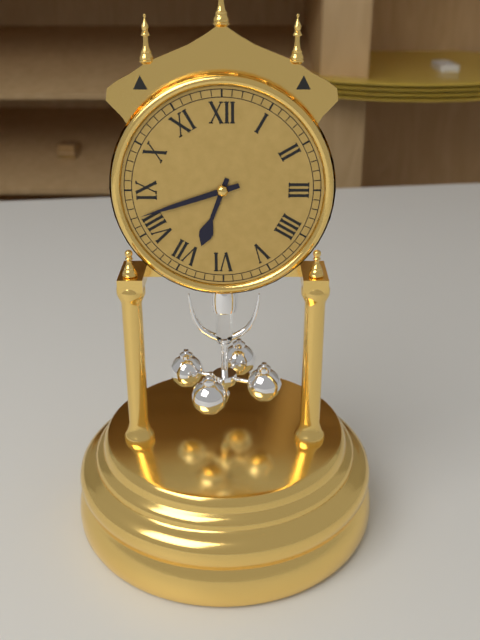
6:42
